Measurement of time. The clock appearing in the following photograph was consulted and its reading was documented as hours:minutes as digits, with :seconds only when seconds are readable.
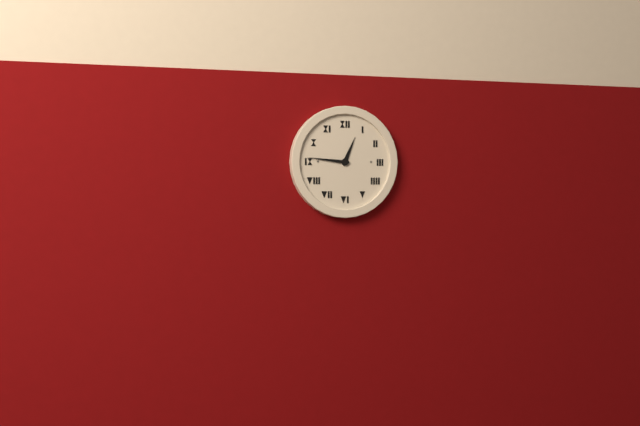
12:46
